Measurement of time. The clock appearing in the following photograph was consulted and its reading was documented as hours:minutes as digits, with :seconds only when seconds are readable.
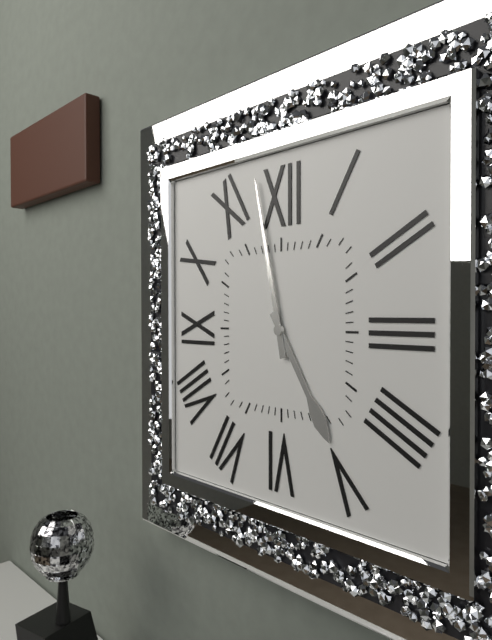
4:58
